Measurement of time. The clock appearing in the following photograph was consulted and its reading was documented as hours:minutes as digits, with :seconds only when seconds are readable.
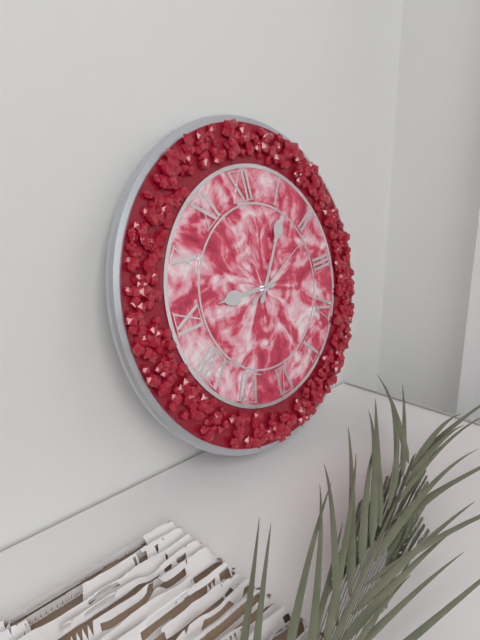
9:06:11
